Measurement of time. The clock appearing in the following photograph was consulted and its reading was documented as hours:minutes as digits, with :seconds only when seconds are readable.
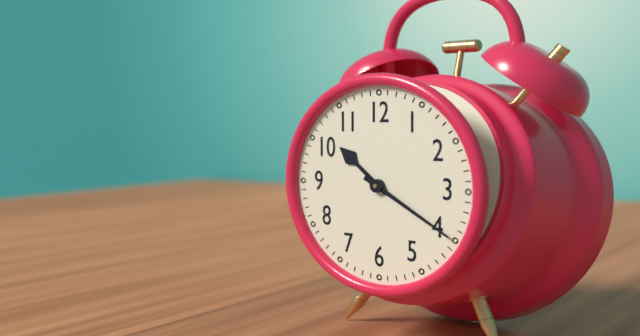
10:20
